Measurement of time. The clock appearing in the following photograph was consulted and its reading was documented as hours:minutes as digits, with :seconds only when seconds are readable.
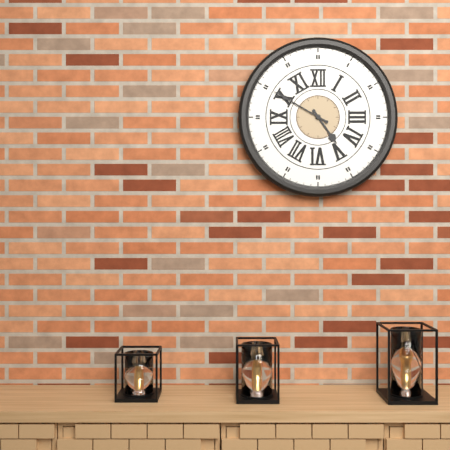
4:50
